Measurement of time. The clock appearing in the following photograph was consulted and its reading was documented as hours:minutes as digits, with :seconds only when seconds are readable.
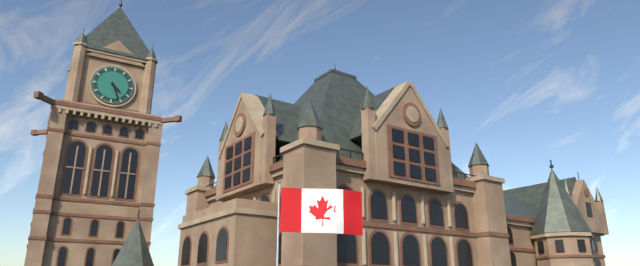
4:26
